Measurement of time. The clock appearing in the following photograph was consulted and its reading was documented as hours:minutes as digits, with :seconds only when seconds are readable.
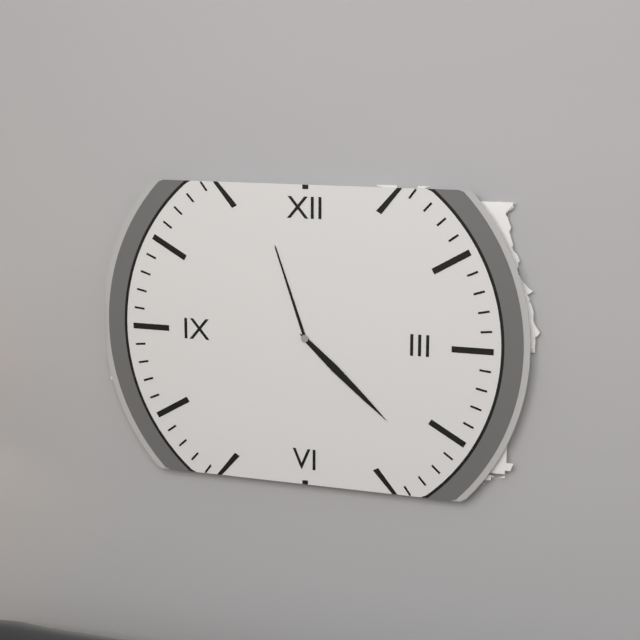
11:22
